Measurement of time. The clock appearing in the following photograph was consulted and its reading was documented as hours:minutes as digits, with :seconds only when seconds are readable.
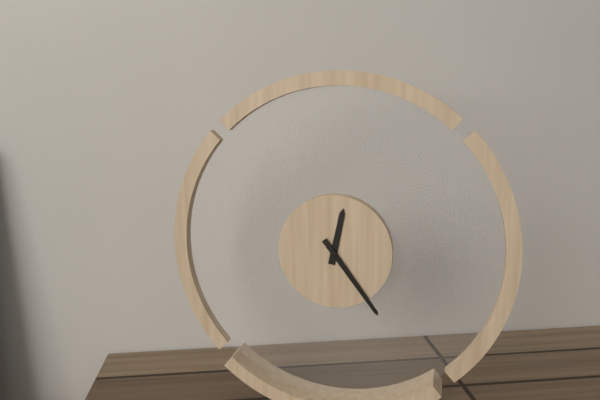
12:24
